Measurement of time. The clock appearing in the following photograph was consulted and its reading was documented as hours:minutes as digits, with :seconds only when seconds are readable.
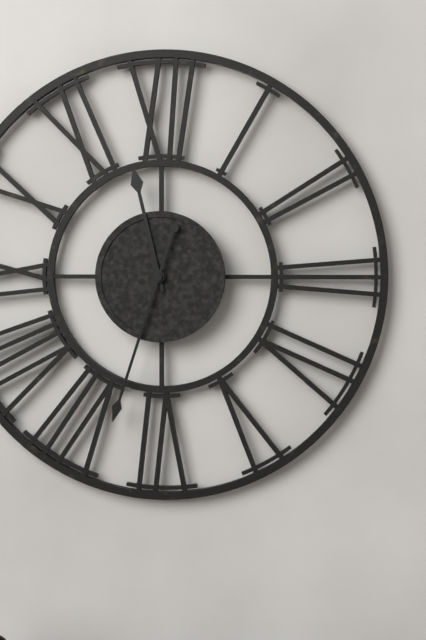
11:33
